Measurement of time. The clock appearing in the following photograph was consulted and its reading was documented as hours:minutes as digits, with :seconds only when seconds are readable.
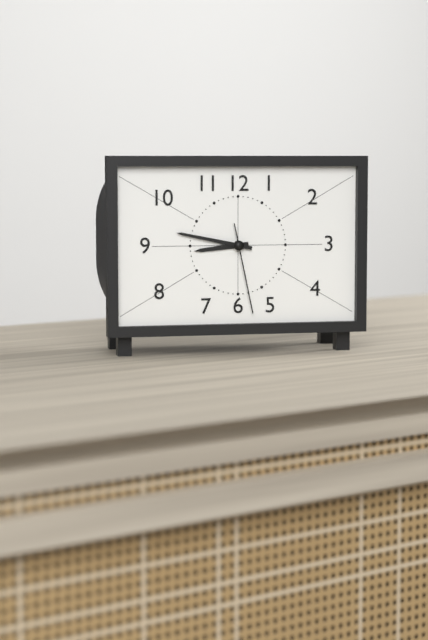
8:47:28
